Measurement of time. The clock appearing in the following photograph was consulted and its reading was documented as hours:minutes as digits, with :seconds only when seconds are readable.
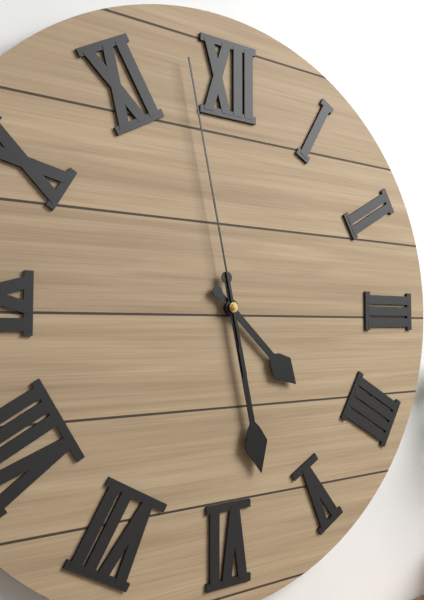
4:28:58
